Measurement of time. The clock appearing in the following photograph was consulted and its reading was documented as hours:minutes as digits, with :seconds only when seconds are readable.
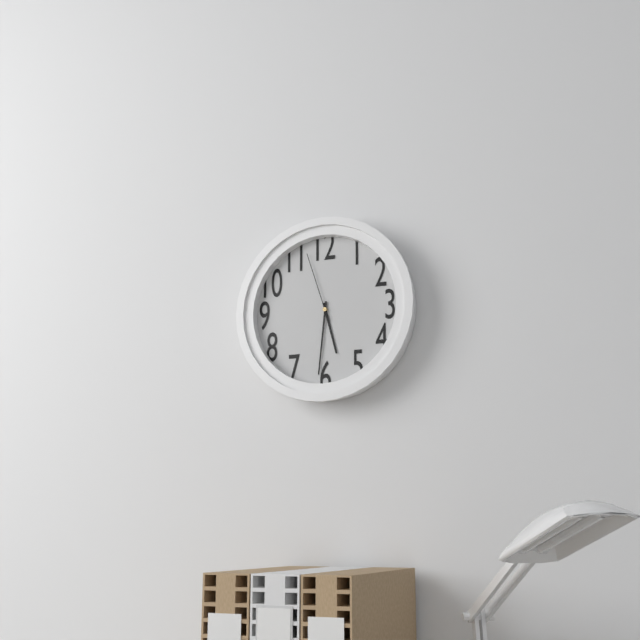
5:31:57
